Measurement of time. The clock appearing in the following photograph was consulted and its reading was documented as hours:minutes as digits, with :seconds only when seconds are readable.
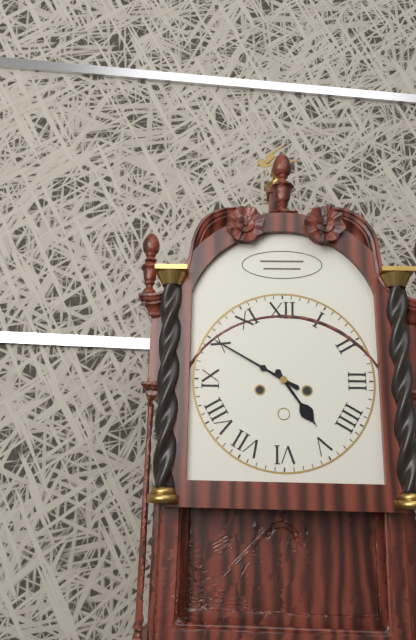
4:50
